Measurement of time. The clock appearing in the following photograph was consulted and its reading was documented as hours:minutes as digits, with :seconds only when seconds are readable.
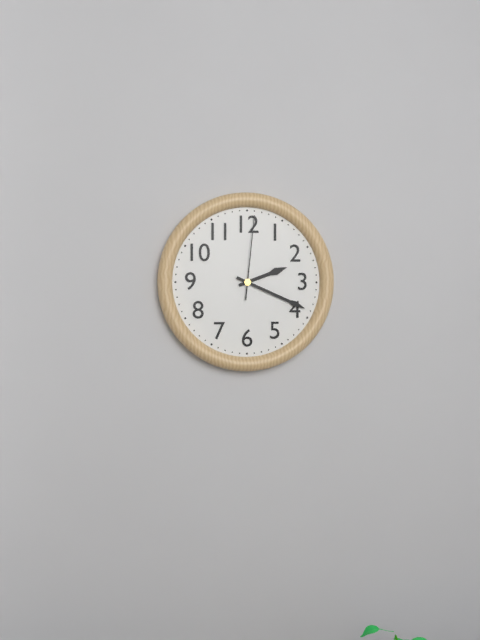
2:19:01
